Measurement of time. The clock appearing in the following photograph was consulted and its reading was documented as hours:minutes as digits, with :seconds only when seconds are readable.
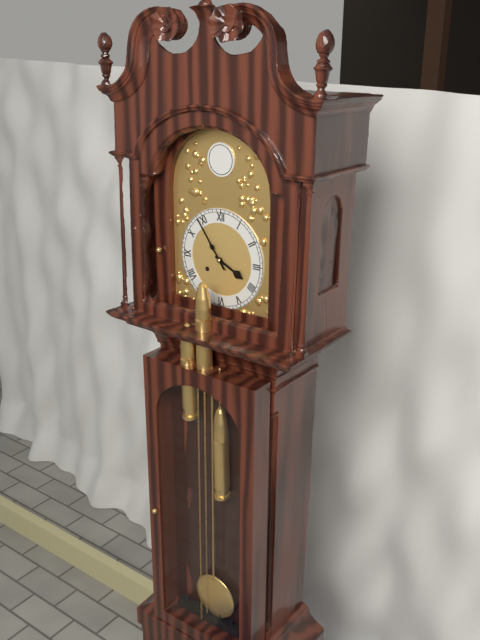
3:54
